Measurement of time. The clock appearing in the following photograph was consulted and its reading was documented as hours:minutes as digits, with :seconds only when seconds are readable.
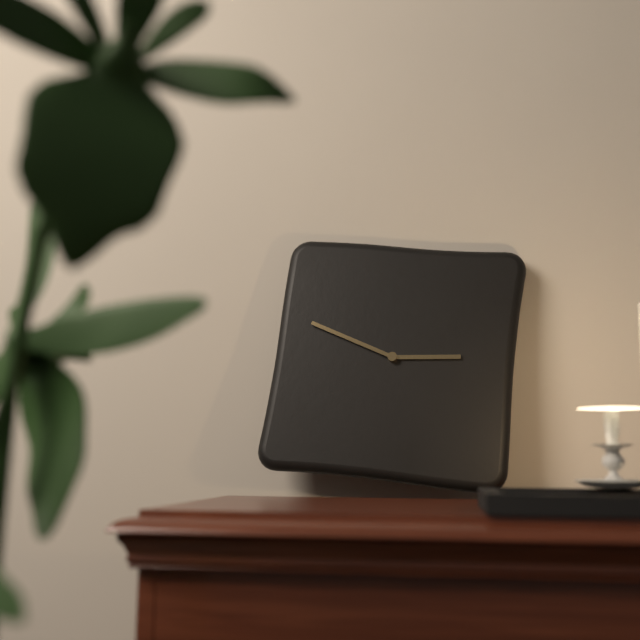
2:48
